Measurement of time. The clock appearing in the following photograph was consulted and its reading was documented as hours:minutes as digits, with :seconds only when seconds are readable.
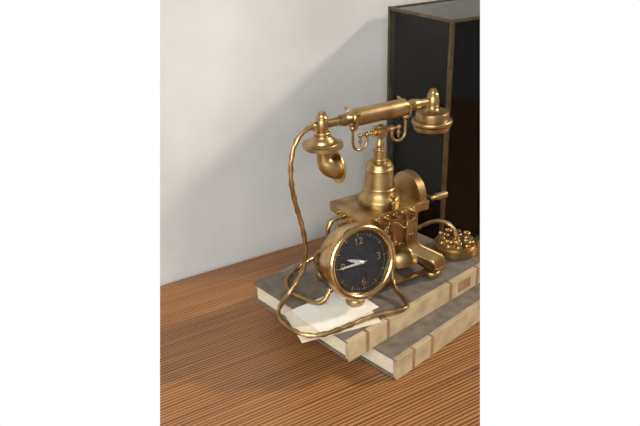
9:45
